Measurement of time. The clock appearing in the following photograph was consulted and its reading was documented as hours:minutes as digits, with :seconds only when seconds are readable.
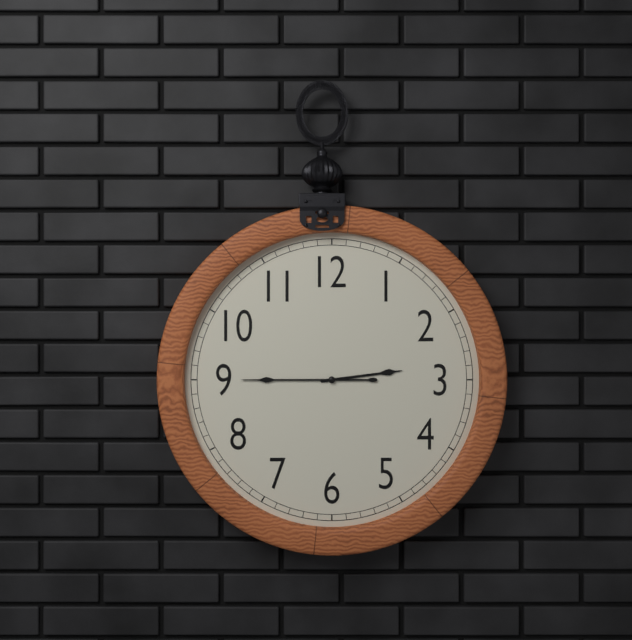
2:45
